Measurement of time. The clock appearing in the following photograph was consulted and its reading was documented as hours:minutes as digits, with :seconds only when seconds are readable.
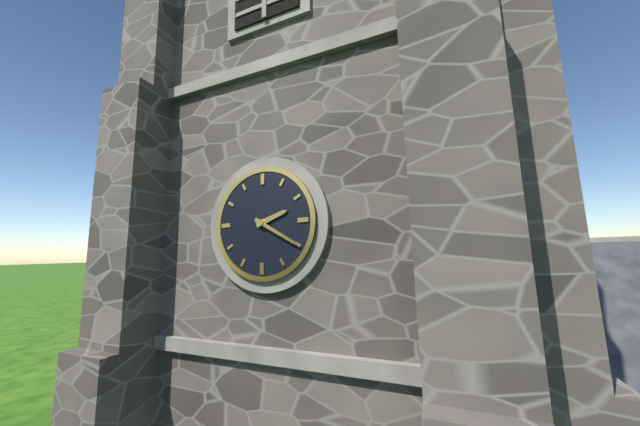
2:20
